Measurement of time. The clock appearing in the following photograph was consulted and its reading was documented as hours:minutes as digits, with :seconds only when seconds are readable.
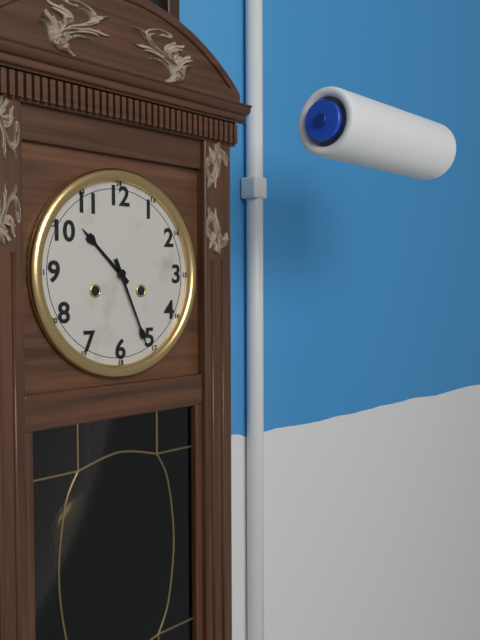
10:26
